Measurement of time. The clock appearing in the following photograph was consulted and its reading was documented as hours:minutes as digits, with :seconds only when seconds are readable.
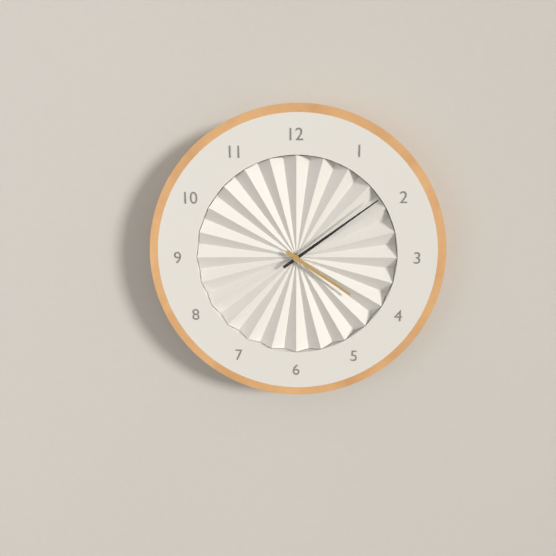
4:09
